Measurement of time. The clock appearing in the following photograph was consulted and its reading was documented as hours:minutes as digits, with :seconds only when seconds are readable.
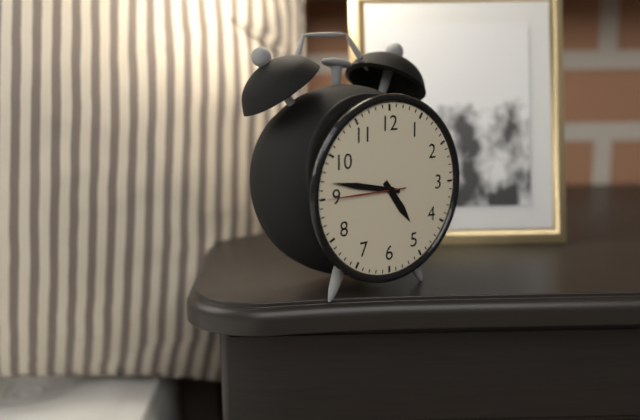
4:47:45
